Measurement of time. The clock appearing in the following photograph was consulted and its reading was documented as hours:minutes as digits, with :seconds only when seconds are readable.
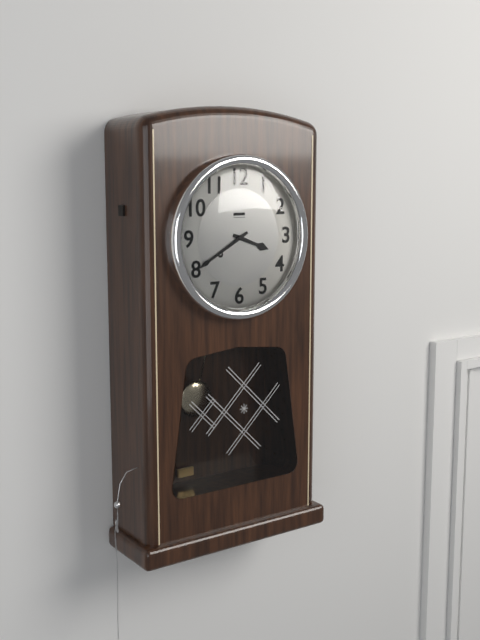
3:40
